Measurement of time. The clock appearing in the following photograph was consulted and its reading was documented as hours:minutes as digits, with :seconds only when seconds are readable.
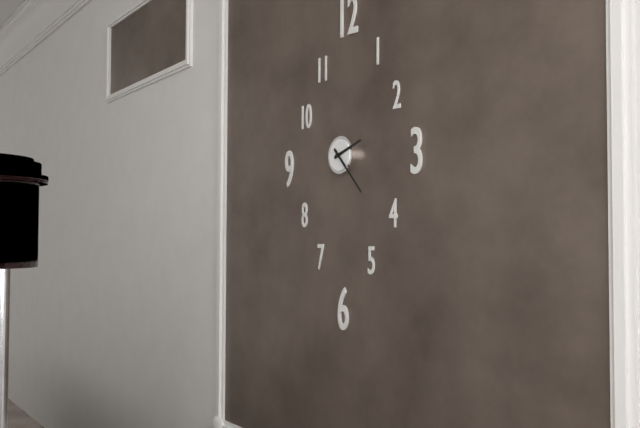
2:23
